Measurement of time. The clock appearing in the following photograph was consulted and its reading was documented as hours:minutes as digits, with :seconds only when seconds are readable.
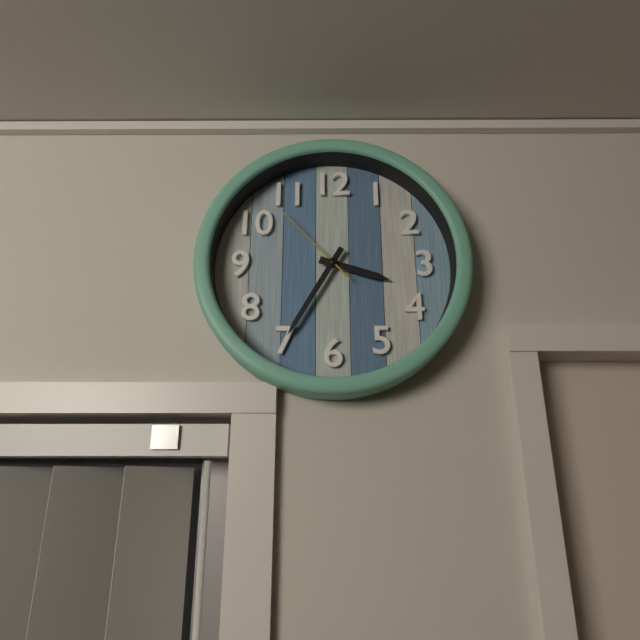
3:35:53
